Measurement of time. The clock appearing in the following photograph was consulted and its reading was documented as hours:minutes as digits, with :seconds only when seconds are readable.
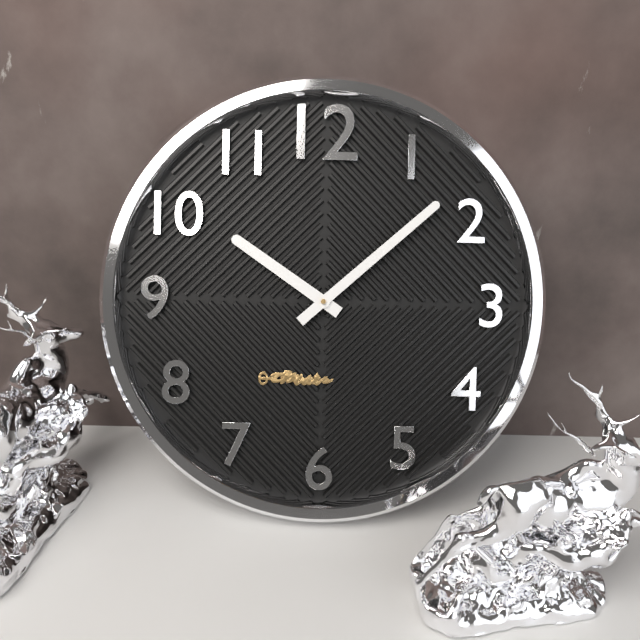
10:08
